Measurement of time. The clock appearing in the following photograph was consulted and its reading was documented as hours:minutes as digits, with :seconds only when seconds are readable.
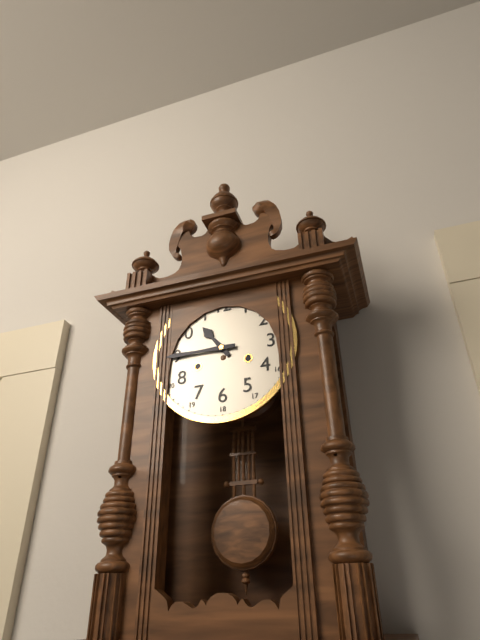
10:45
